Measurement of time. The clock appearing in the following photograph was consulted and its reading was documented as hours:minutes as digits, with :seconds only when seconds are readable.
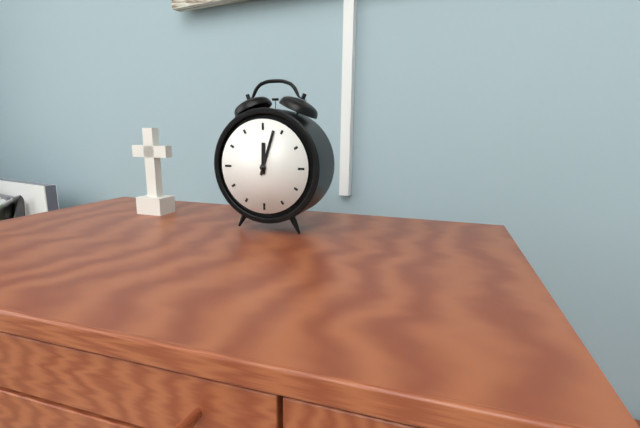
12:03
